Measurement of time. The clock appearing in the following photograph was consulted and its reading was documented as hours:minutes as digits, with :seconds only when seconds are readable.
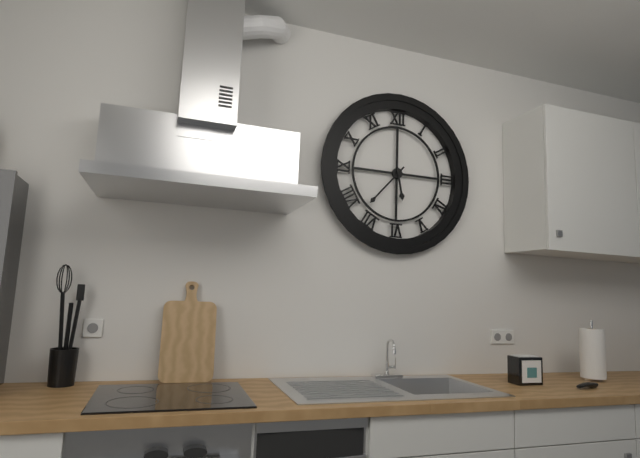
5:37
